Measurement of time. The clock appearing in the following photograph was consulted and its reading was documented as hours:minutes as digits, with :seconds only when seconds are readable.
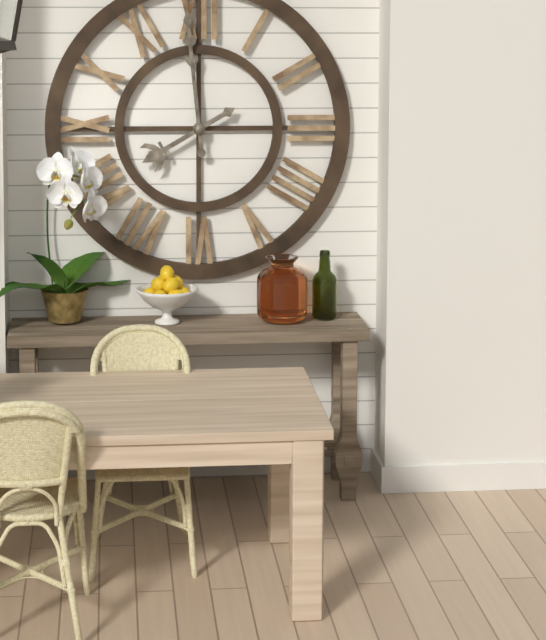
7:59
